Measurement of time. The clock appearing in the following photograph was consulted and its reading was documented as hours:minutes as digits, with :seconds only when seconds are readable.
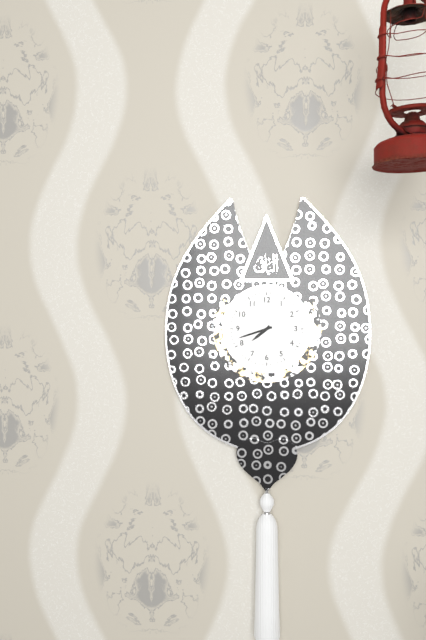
7:42
